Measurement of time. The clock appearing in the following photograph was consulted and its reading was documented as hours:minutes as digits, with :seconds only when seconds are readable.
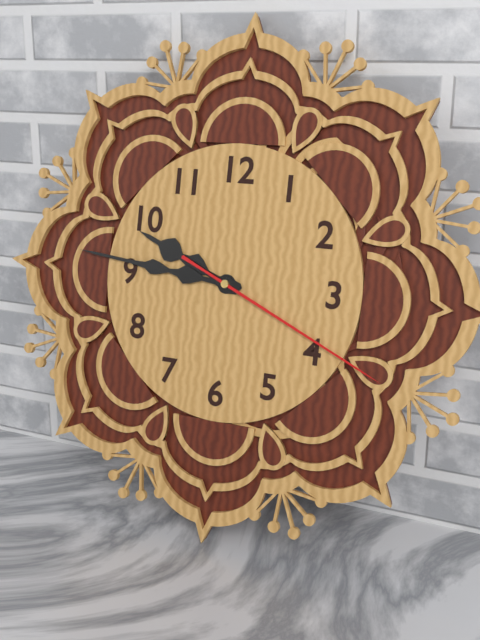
9:46:19
